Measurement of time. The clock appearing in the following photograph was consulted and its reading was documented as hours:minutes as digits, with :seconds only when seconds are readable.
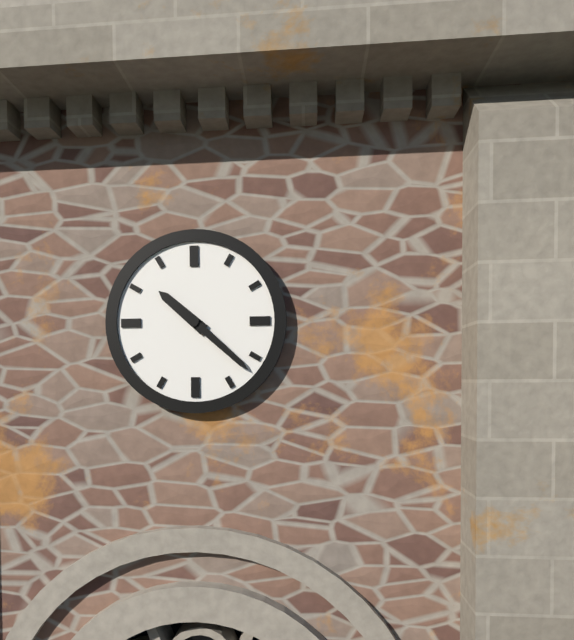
10:22
